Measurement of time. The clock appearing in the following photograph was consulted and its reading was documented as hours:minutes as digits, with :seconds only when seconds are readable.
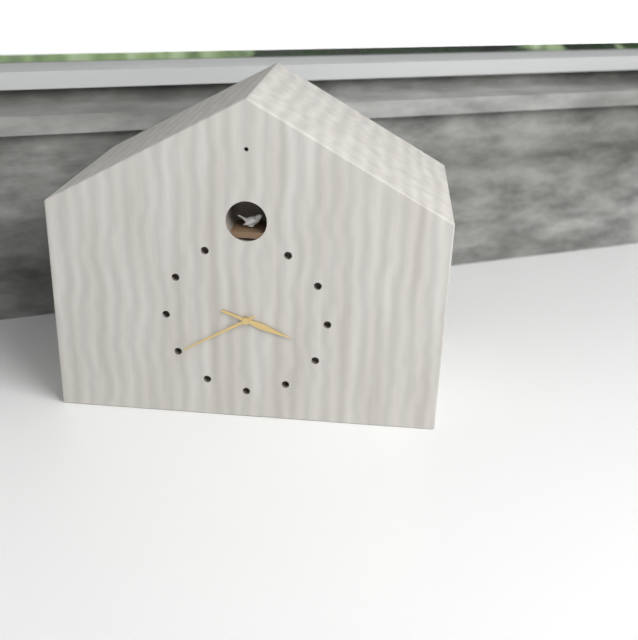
3:40
